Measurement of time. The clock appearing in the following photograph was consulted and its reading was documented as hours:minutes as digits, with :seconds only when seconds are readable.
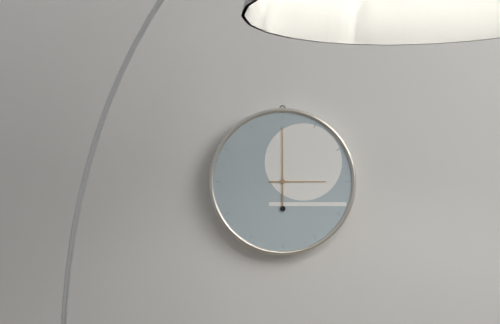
3:00
